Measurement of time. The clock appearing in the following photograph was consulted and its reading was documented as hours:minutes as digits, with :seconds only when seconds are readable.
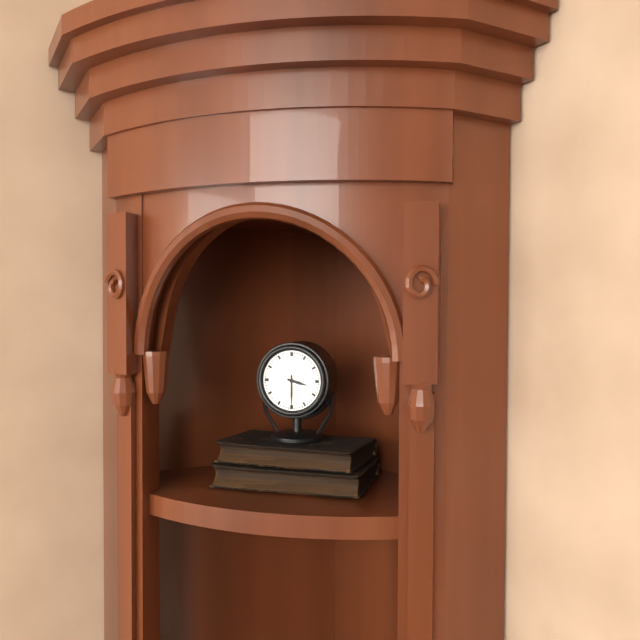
3:30
